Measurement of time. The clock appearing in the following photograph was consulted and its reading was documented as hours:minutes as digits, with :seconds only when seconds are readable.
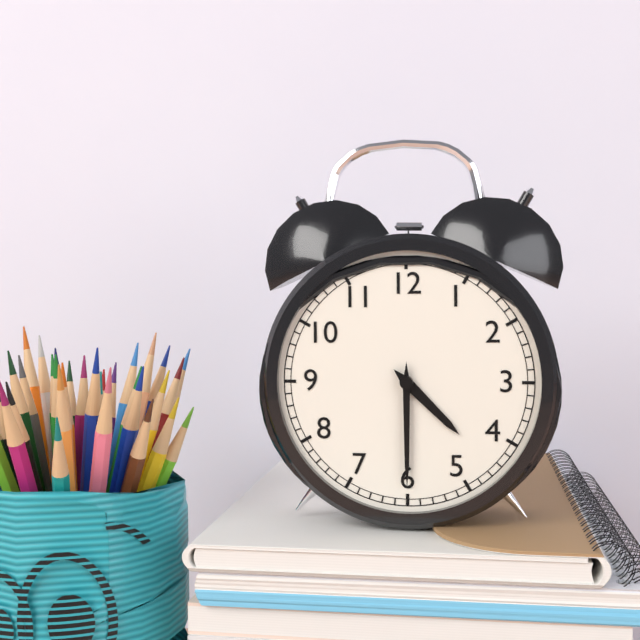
4:30
